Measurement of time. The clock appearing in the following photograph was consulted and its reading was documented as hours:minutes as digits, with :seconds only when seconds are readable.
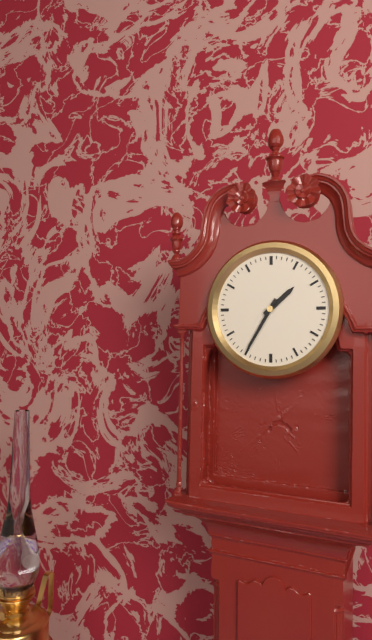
1:35
